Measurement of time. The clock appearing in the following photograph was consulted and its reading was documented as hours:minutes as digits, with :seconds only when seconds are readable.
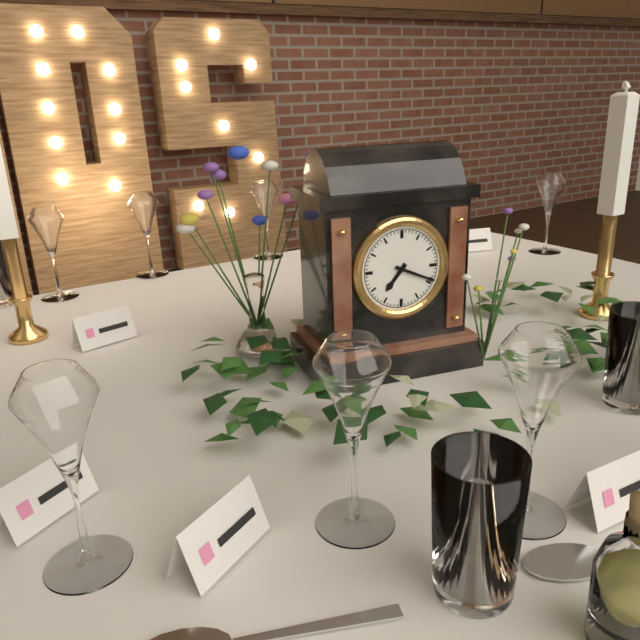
7:19
